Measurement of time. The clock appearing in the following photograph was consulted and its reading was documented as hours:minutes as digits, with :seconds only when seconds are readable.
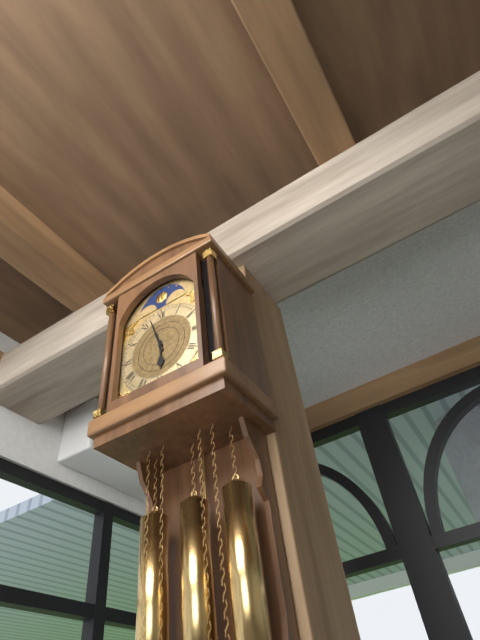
5:57
